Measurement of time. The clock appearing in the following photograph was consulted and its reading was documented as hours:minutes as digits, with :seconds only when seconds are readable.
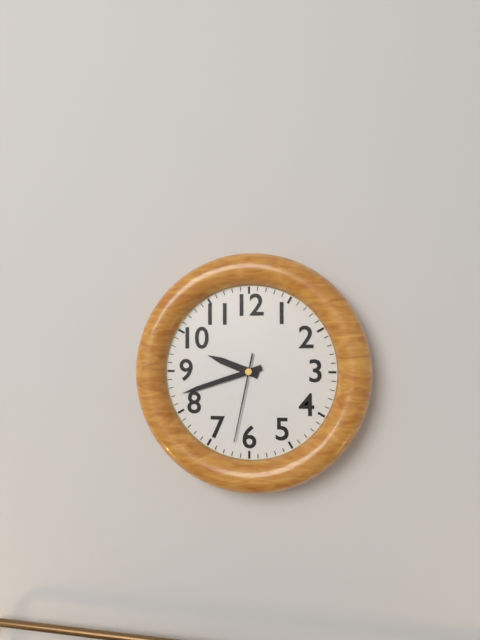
9:42:32
